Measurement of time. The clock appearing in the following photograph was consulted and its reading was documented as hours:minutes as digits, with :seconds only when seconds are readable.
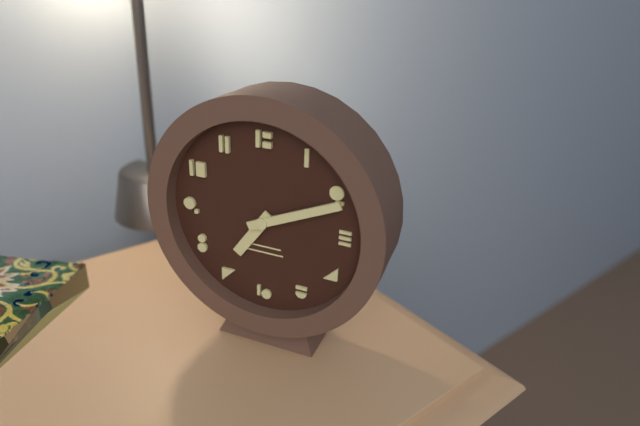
7:11
